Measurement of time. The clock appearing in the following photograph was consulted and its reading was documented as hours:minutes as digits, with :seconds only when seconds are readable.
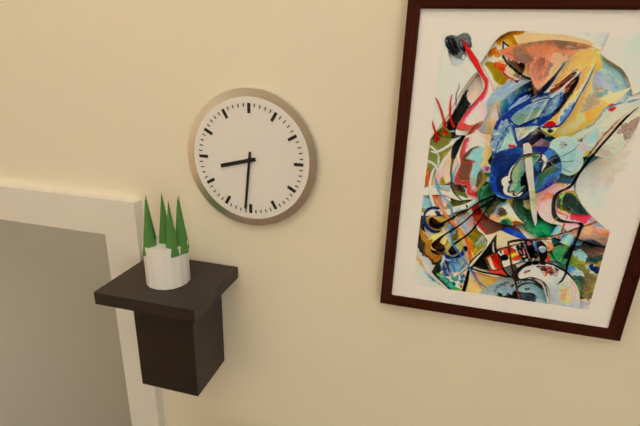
8:31
